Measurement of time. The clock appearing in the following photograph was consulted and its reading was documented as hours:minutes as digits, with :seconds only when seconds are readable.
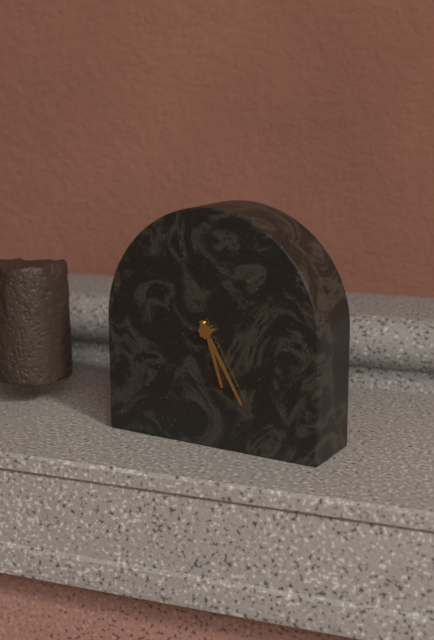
5:25
